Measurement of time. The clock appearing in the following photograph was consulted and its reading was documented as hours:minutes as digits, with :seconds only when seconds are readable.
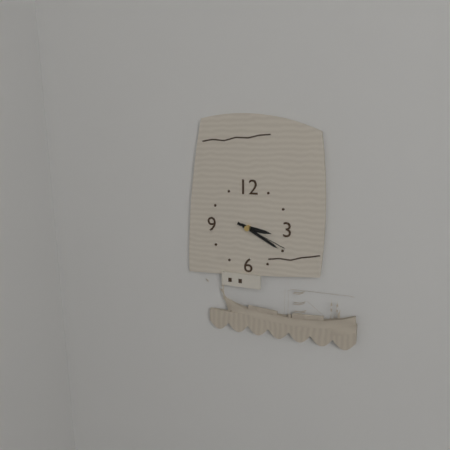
3:20:19
